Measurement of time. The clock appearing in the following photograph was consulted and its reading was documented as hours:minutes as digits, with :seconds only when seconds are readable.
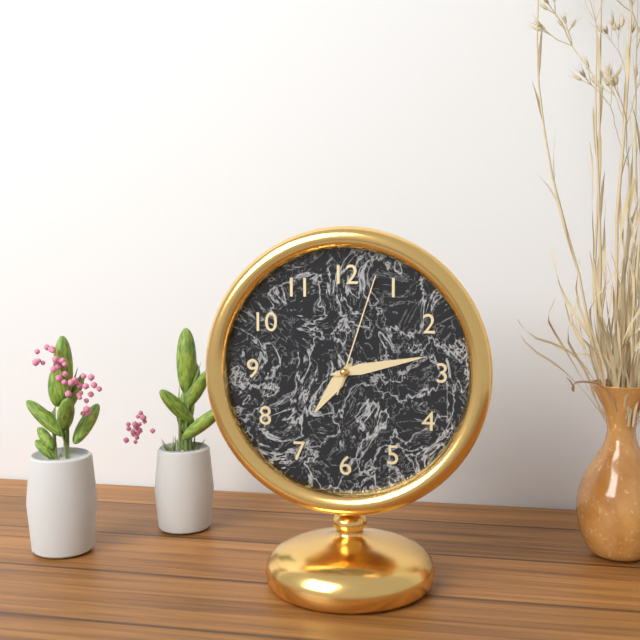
7:13:03
